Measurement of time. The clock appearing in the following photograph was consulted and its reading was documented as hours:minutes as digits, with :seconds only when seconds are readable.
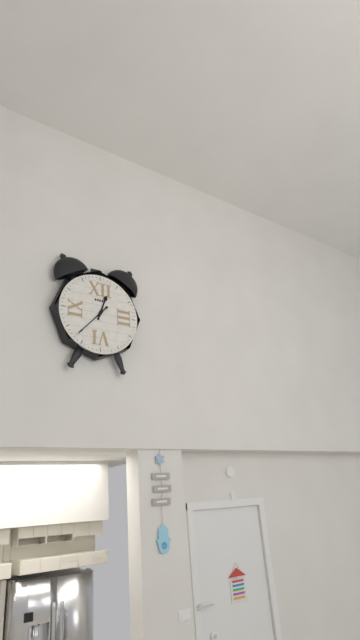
12:37
